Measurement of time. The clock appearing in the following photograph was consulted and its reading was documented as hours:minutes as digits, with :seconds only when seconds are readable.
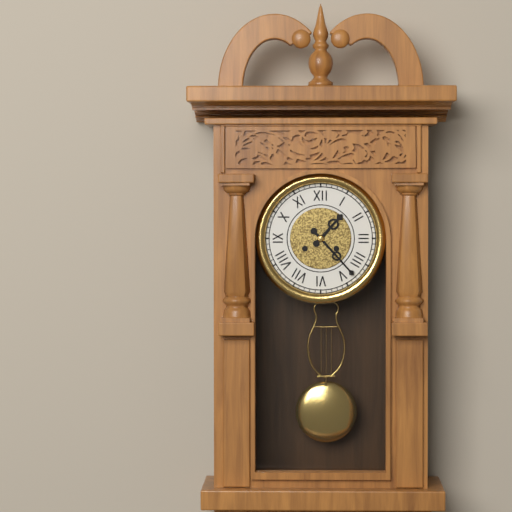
1:23
